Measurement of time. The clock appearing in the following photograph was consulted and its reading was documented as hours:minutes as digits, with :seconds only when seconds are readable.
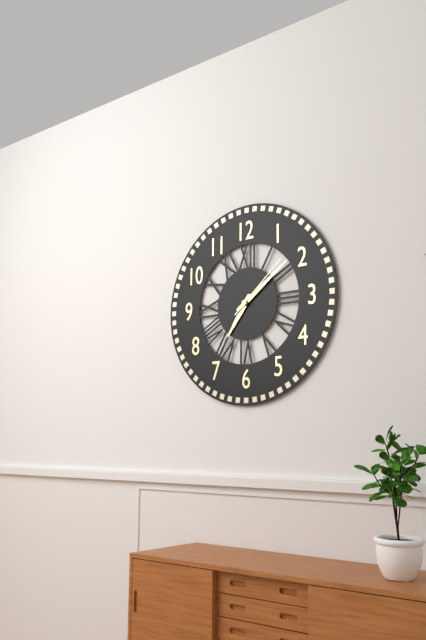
7:09:08
